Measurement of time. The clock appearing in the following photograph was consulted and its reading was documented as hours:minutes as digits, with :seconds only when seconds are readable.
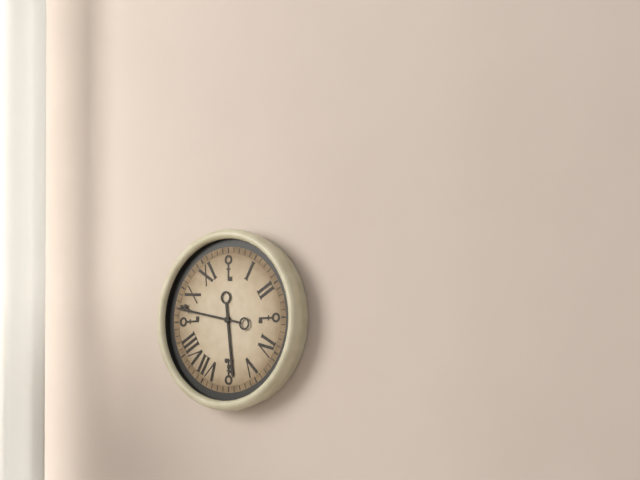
5:47
